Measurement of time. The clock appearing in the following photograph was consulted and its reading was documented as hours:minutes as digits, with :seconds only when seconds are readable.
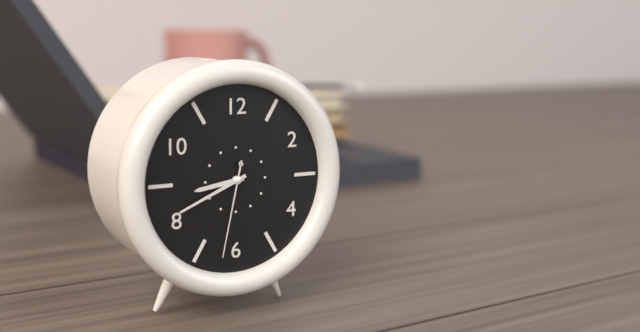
8:41:32
